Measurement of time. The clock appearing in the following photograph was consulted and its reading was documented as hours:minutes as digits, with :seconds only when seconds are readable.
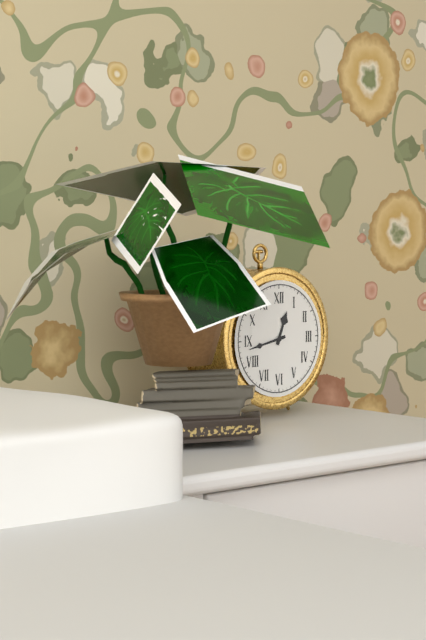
12:43
